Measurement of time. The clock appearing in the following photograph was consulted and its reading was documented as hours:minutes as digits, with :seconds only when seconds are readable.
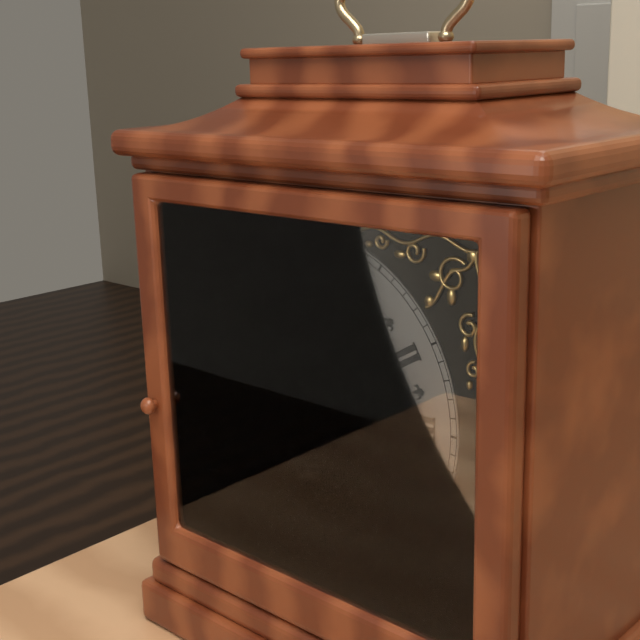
12:49
